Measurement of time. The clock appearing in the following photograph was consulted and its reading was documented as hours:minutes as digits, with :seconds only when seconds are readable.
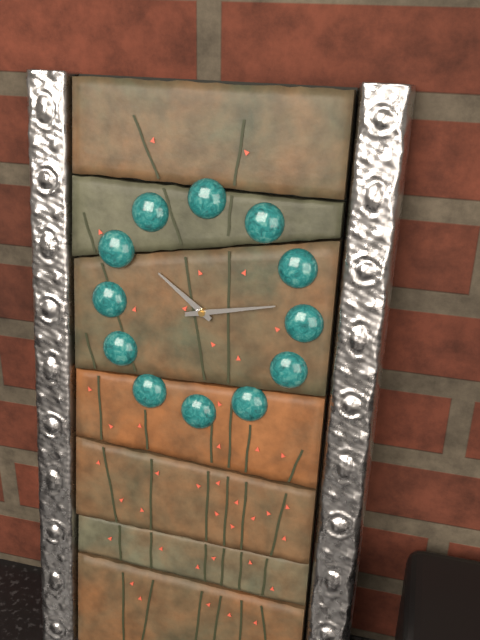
10:13
